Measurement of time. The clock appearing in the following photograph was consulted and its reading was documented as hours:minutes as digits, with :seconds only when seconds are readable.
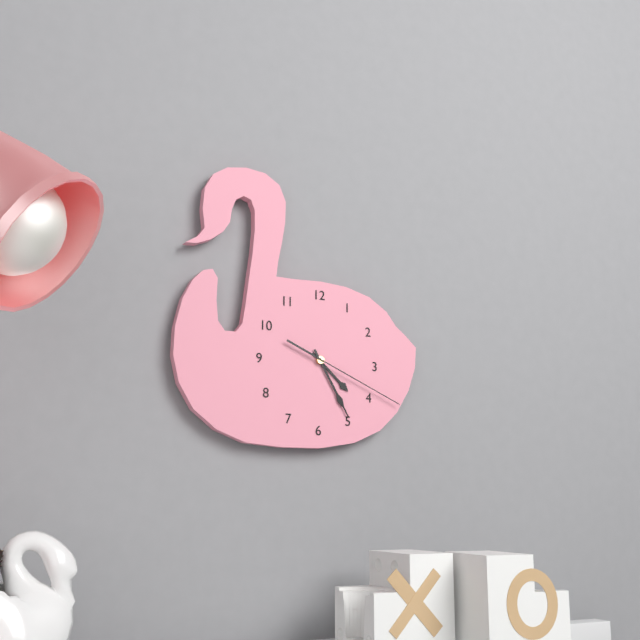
4:25:19
